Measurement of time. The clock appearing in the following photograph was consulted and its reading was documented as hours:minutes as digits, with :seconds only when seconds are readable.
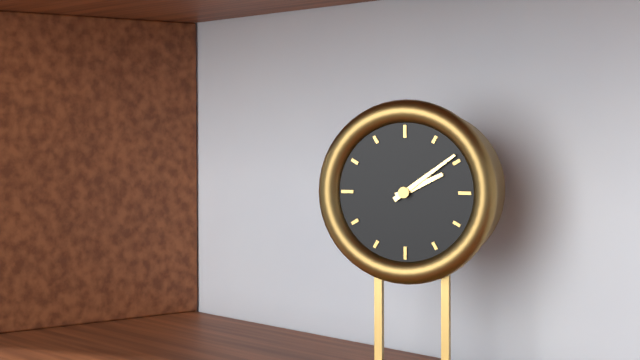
2:09
